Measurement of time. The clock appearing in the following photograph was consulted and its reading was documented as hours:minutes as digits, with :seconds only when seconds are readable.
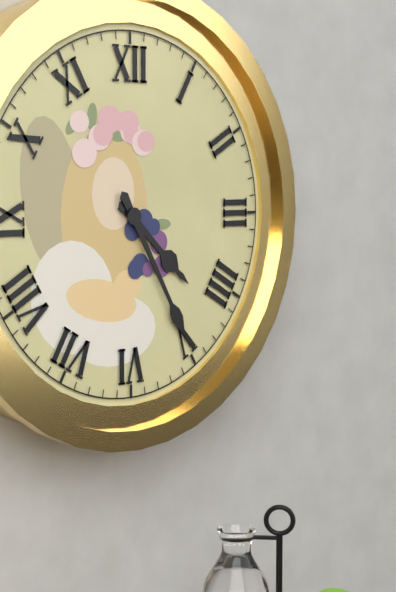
4:25
